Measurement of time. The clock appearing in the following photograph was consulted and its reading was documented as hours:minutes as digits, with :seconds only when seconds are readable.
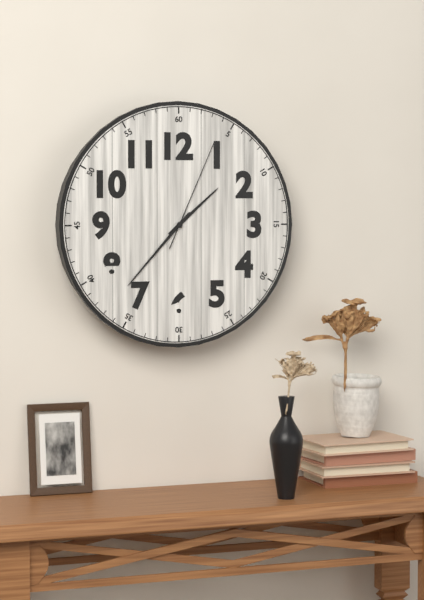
1:37:04
